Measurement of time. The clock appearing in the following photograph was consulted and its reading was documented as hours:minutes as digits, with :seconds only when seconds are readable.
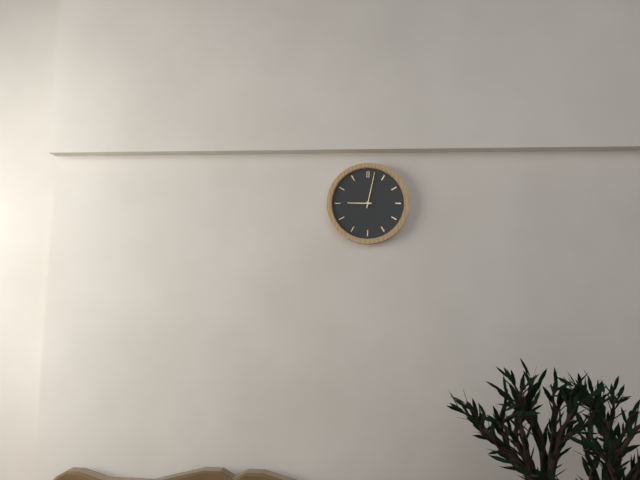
9:02
